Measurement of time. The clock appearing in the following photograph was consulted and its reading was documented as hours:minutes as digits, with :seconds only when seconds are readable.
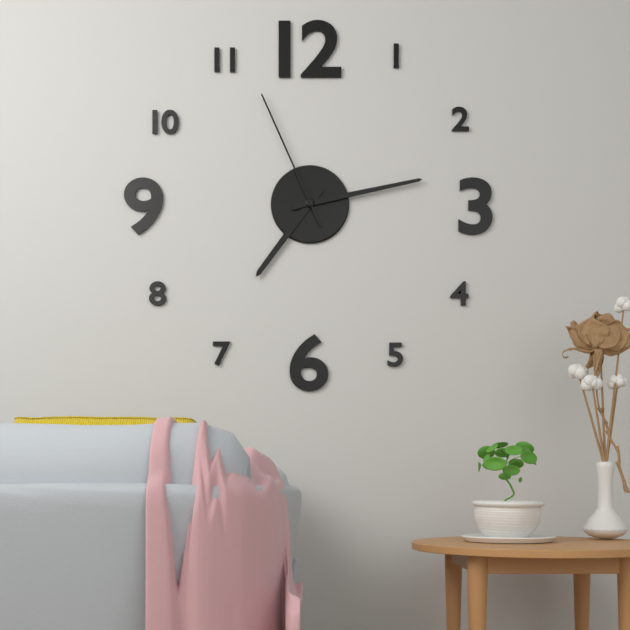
7:13:56
